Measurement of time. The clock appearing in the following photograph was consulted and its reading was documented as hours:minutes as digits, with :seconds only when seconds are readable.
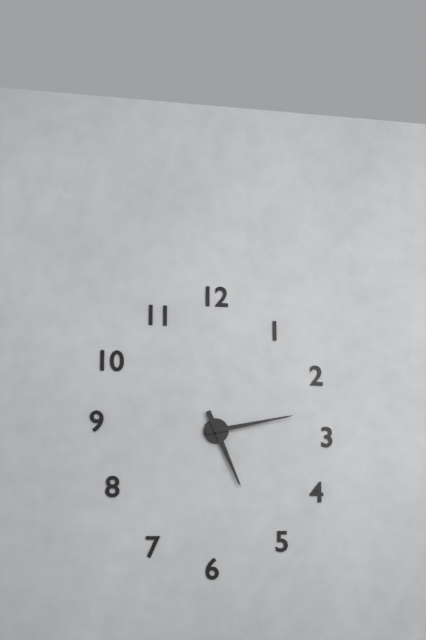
5:13
